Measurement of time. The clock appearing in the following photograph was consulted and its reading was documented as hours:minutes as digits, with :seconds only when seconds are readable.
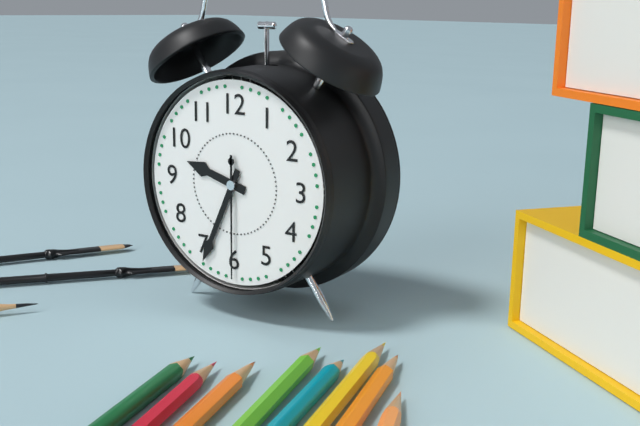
9:34:30
